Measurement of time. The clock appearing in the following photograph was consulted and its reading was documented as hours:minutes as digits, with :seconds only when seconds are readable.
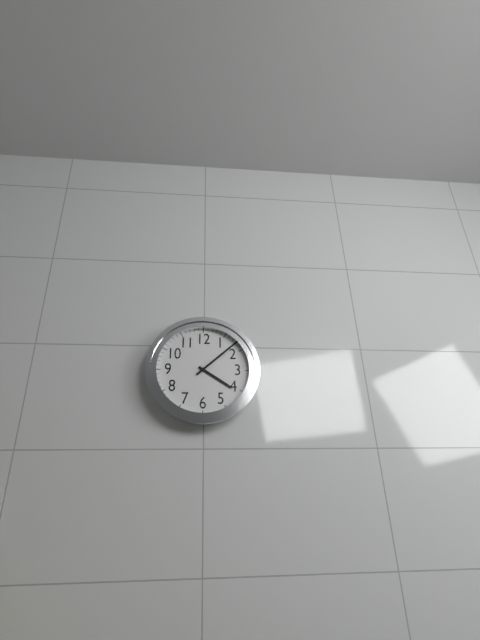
4:08
